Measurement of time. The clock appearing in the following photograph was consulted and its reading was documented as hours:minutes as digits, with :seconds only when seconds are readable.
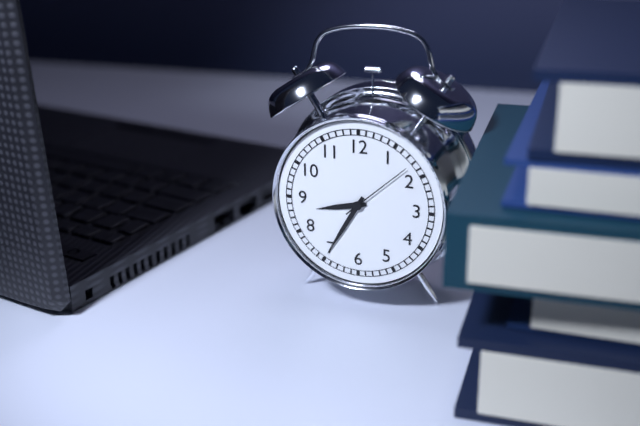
8:35:08
